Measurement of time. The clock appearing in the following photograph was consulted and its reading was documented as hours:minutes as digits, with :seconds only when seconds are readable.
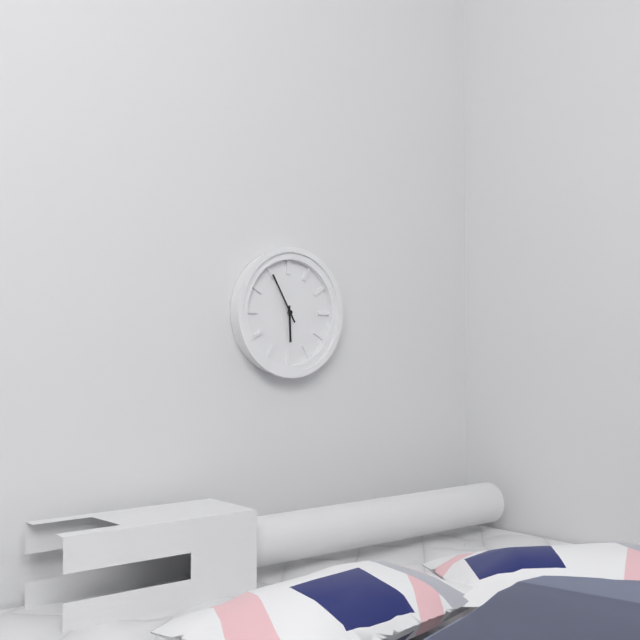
5:55
